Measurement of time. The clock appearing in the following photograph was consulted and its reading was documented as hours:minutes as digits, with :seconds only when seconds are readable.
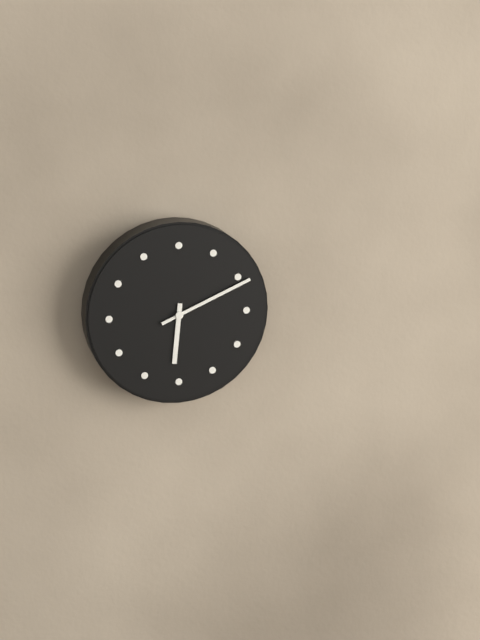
6:11
